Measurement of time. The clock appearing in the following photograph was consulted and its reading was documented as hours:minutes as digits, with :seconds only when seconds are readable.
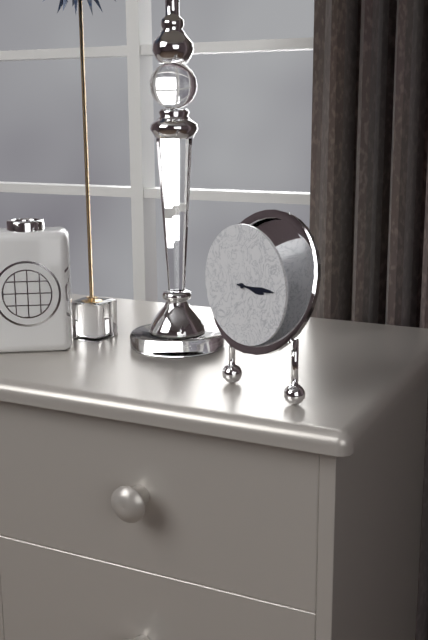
3:15
